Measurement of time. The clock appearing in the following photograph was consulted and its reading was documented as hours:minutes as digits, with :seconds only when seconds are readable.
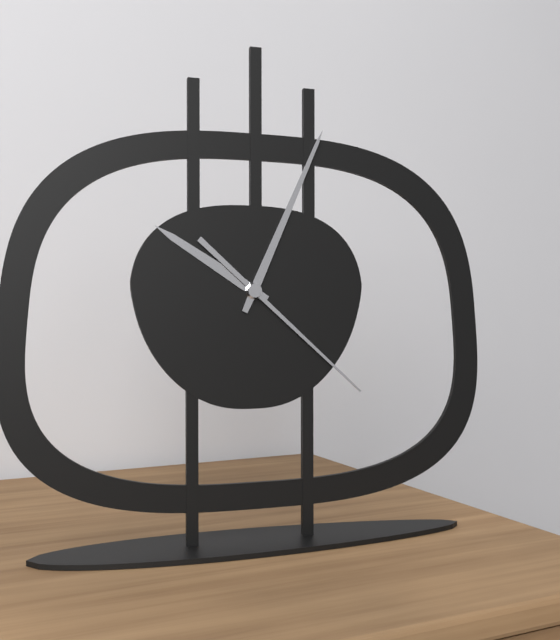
10:04:22
